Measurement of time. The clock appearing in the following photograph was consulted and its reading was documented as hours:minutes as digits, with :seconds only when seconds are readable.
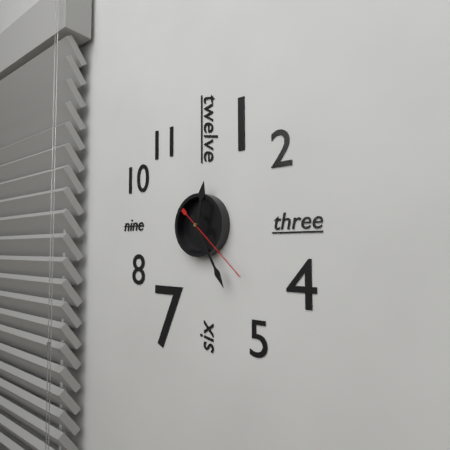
12:25:22
